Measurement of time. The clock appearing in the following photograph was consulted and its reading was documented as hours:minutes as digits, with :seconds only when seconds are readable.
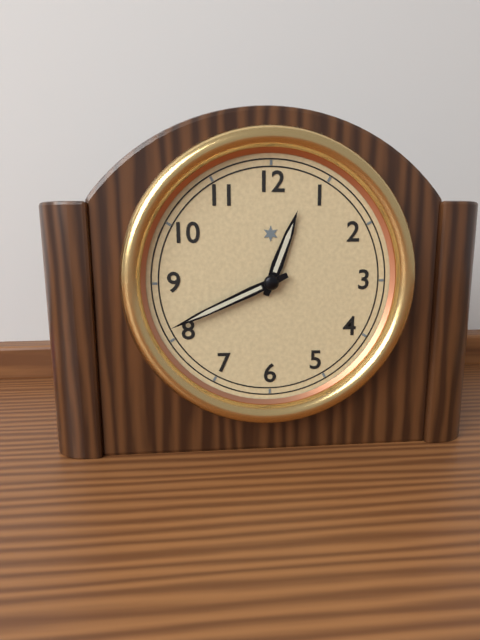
12:41
